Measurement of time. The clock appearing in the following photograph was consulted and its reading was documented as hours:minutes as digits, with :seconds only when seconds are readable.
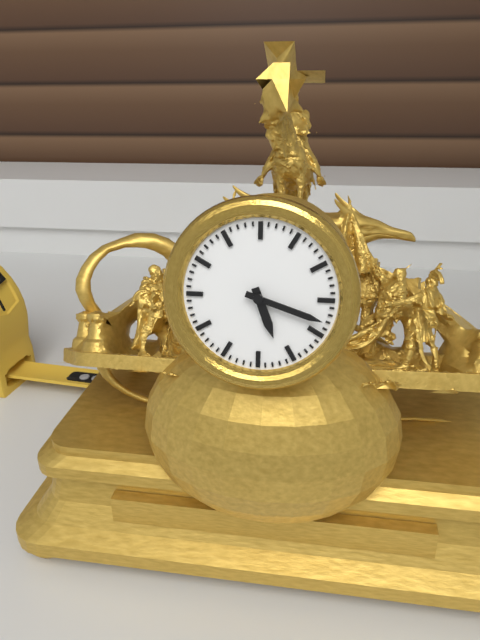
5:18
